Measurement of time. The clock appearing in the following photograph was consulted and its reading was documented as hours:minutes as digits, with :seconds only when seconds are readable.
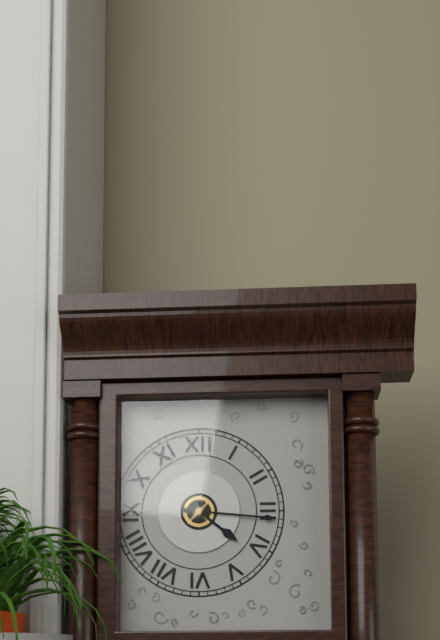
4:16
